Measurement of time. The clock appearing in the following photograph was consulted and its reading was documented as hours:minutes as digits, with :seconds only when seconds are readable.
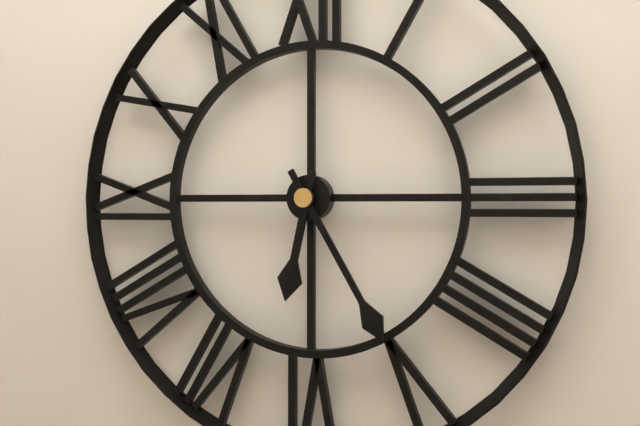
6:25
